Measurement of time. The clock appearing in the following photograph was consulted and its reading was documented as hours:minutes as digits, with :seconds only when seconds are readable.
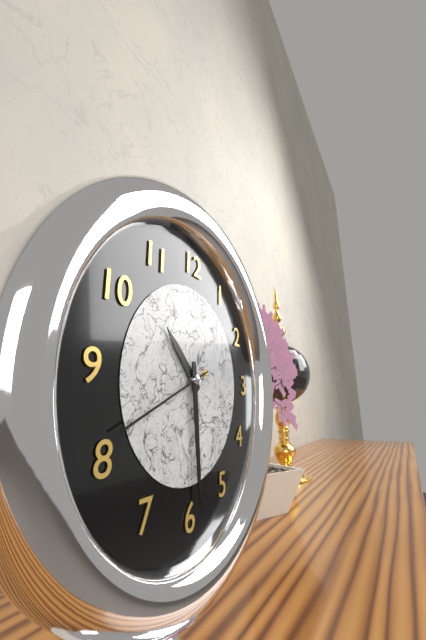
10:29:41
